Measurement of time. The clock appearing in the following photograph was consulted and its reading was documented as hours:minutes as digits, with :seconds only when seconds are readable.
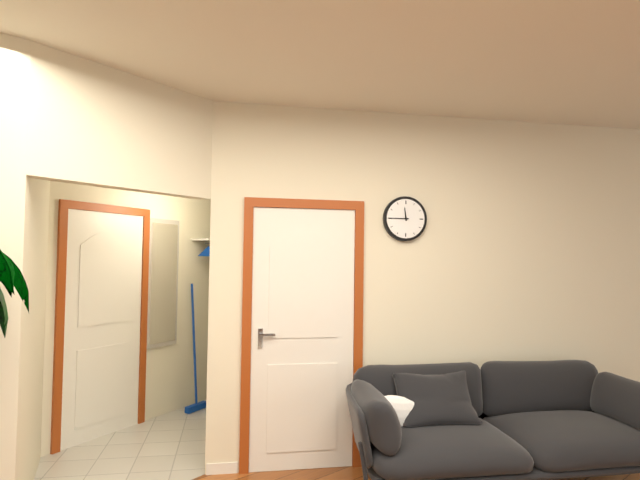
11:45
